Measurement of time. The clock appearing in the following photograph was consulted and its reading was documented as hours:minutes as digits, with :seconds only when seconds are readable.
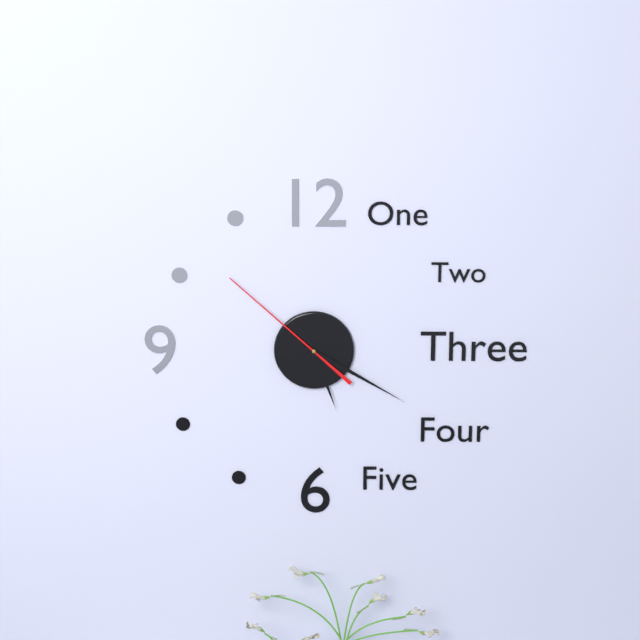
5:20:52
